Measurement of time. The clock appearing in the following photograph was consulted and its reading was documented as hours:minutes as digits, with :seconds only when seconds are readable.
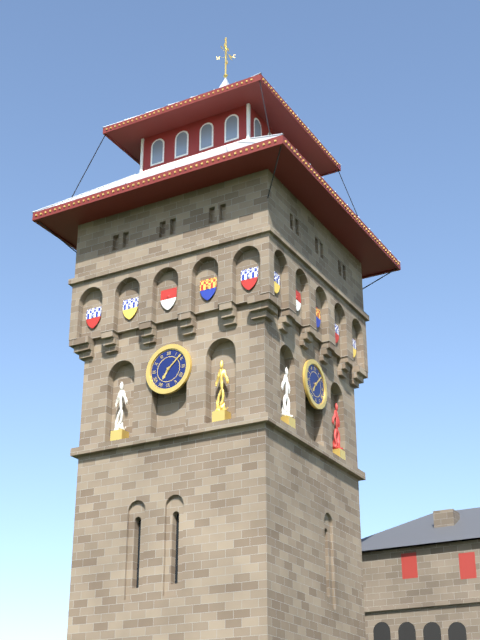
7:08
